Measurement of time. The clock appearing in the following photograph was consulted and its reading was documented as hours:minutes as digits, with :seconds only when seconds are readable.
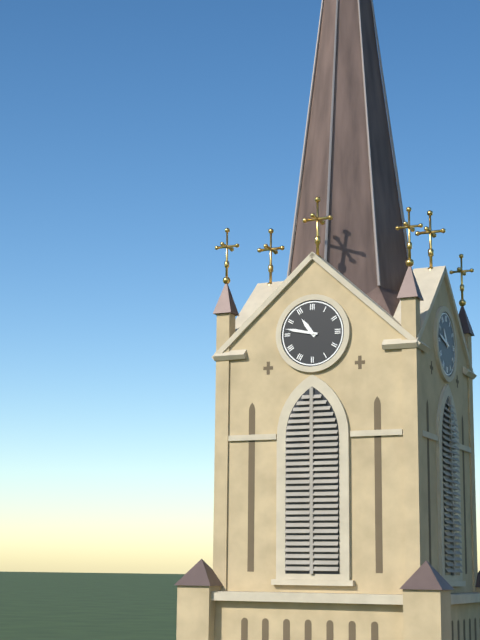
10:47
